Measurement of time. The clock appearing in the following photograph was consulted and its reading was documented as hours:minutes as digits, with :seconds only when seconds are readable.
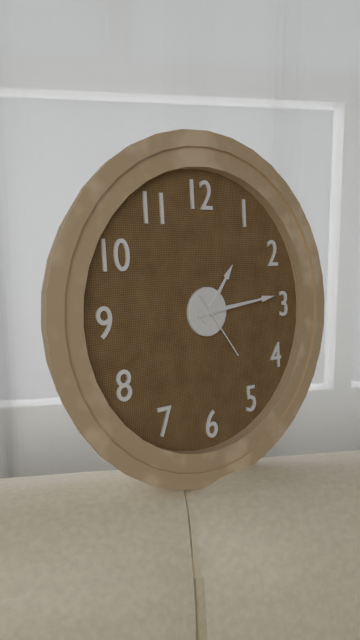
1:14:24
